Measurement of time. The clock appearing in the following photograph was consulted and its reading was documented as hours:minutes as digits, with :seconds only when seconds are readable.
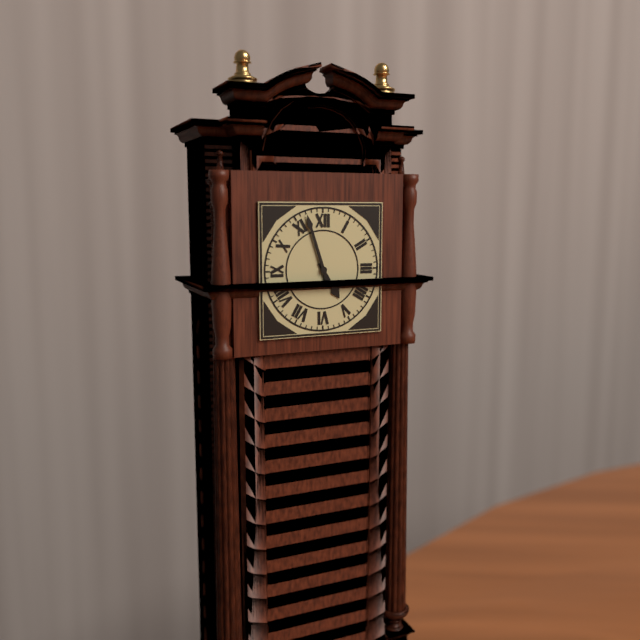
4:57
